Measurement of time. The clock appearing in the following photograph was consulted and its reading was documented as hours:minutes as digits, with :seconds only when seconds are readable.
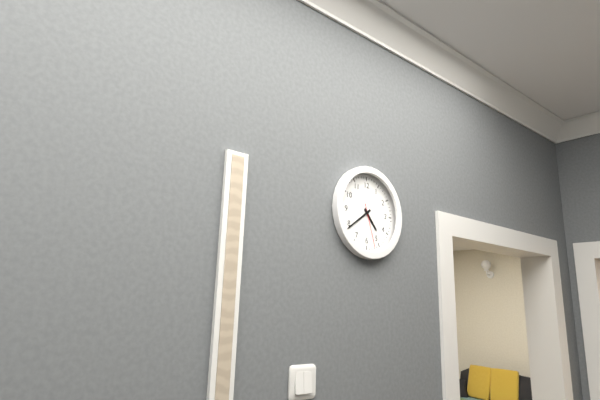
4:39
